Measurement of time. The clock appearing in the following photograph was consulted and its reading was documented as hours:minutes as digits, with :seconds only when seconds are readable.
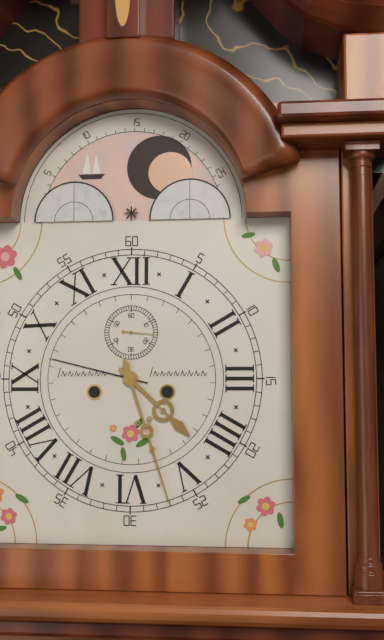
4:27
